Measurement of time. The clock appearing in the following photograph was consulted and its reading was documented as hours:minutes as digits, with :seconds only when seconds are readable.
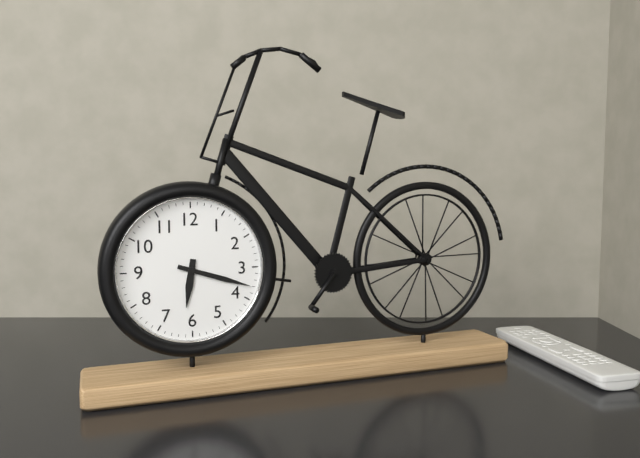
6:18
